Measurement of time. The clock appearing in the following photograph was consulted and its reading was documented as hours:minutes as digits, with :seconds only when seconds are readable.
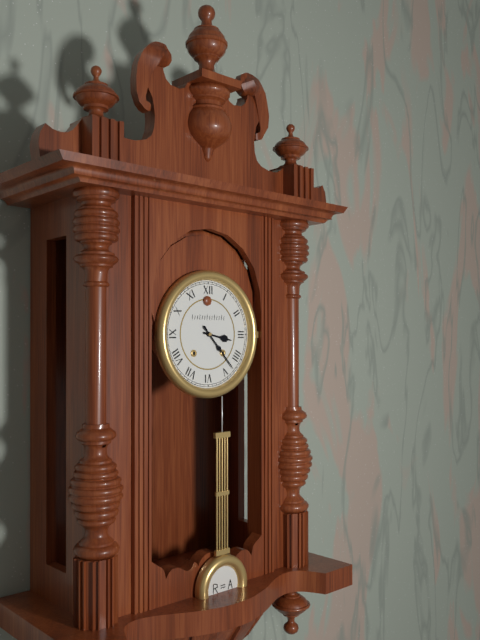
3:23
